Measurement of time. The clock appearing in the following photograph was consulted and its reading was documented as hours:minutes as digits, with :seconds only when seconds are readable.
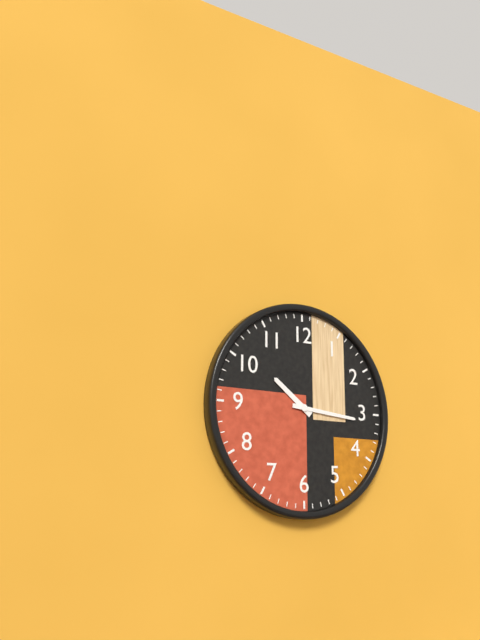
10:16
